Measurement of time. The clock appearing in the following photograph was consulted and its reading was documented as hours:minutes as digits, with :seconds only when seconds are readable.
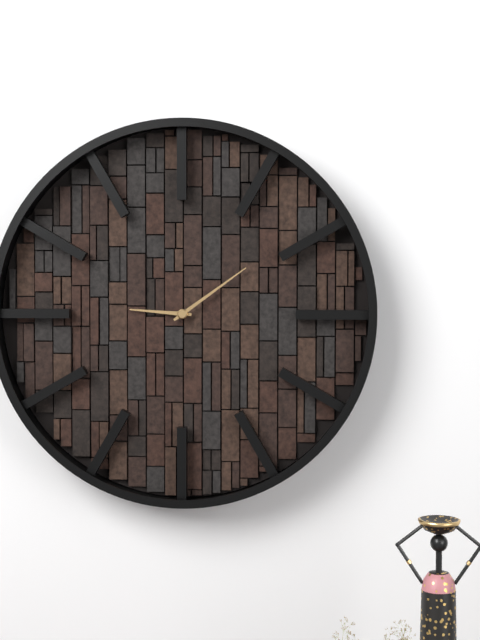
9:09
